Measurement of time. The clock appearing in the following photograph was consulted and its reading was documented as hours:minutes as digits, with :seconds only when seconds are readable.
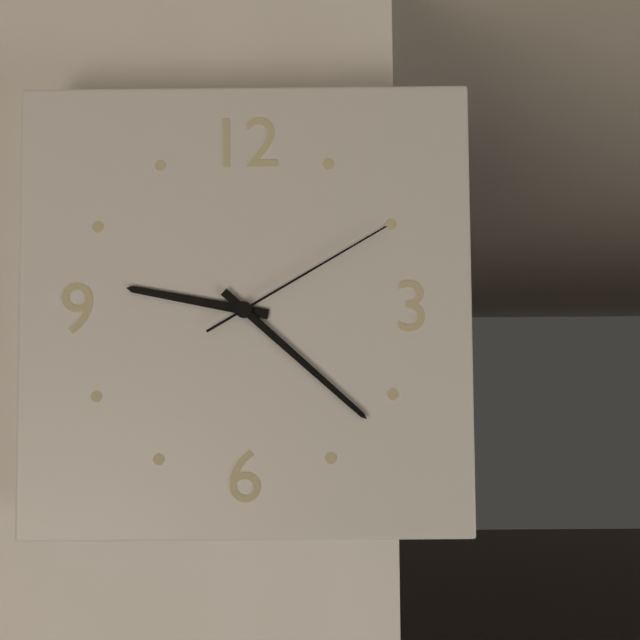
9:22:10
